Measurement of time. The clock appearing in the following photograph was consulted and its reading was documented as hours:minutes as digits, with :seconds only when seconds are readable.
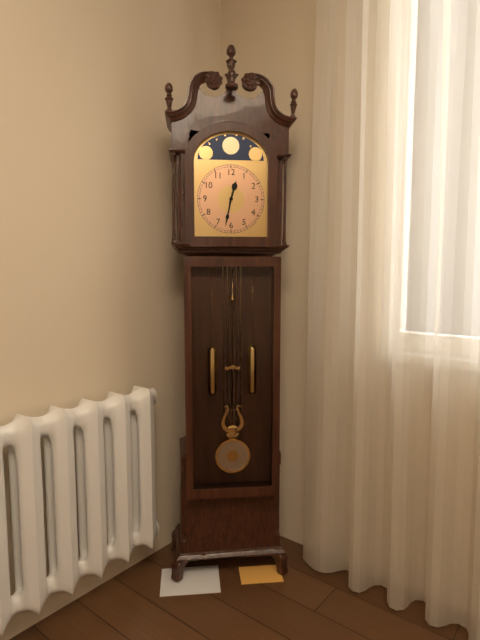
12:32
